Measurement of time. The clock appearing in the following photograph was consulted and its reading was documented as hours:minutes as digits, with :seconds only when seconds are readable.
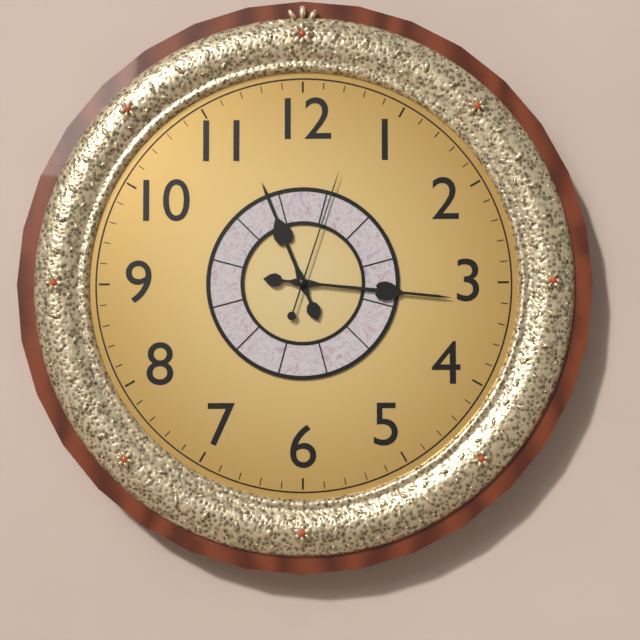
11:16:03
